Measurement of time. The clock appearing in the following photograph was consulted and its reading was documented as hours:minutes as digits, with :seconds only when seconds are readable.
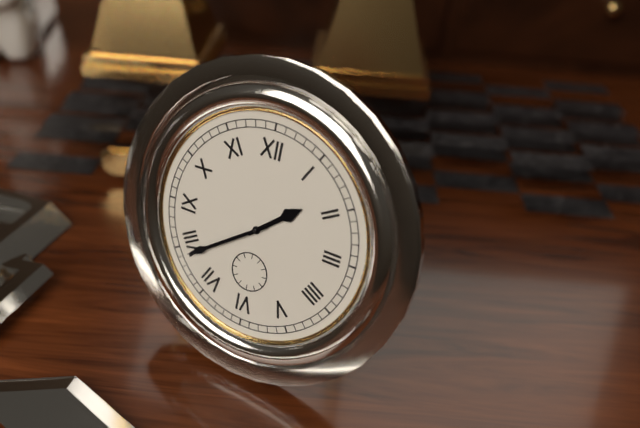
1:39
